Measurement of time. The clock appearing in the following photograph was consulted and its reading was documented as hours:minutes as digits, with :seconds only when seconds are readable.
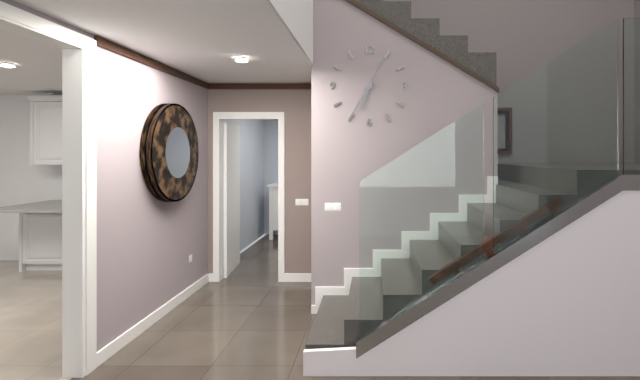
6:35
